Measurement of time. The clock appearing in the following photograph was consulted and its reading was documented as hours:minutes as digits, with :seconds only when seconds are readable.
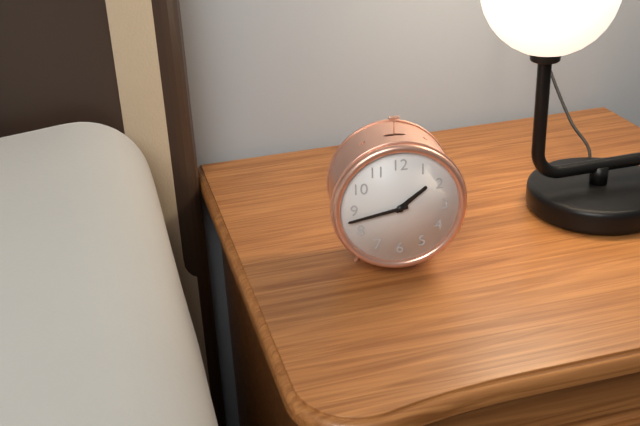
1:43
